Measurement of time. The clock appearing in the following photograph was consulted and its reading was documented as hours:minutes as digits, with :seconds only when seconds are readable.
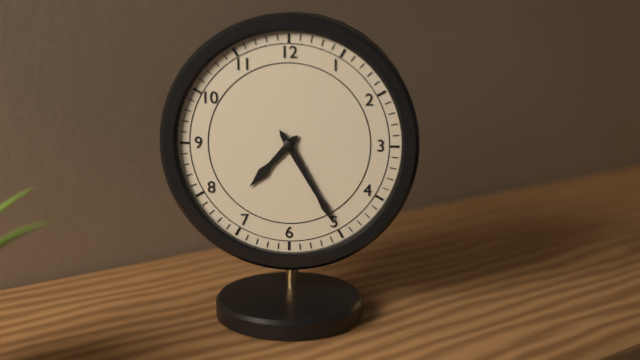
7:25
